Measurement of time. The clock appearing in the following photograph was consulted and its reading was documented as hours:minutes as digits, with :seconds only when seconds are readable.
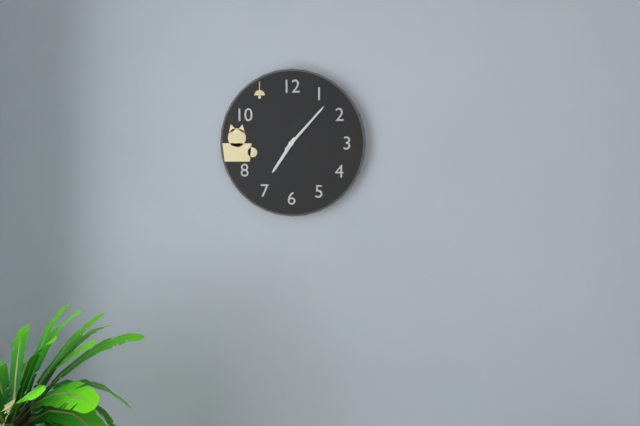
7:07
